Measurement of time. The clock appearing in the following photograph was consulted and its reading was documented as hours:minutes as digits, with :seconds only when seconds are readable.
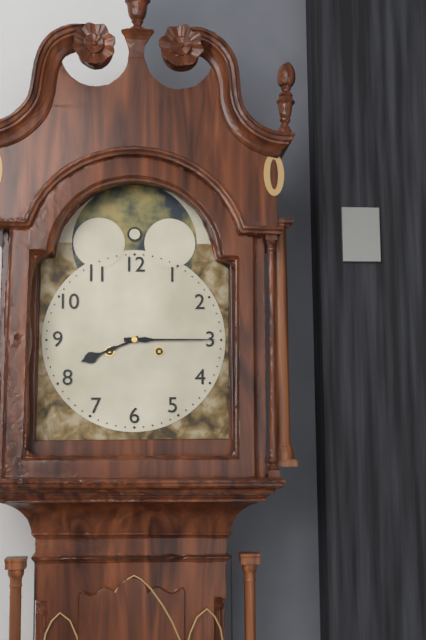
8:15
